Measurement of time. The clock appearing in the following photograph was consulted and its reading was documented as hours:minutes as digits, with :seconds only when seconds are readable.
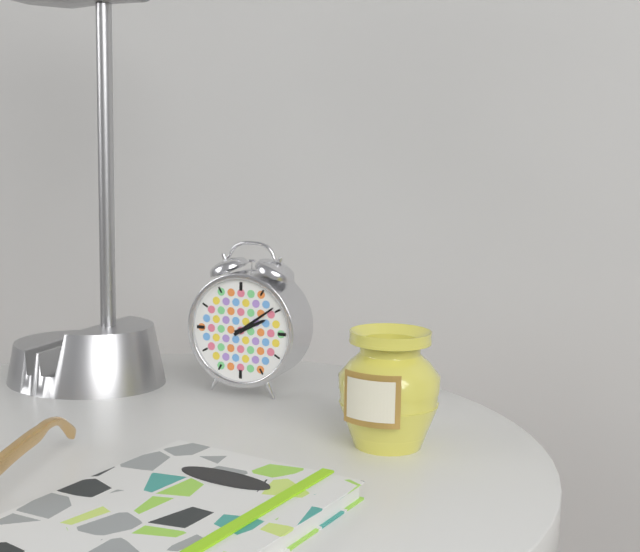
2:09
